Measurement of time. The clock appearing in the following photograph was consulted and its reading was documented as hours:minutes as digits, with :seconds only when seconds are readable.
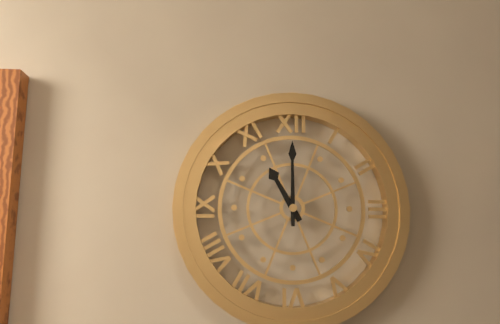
11:00
